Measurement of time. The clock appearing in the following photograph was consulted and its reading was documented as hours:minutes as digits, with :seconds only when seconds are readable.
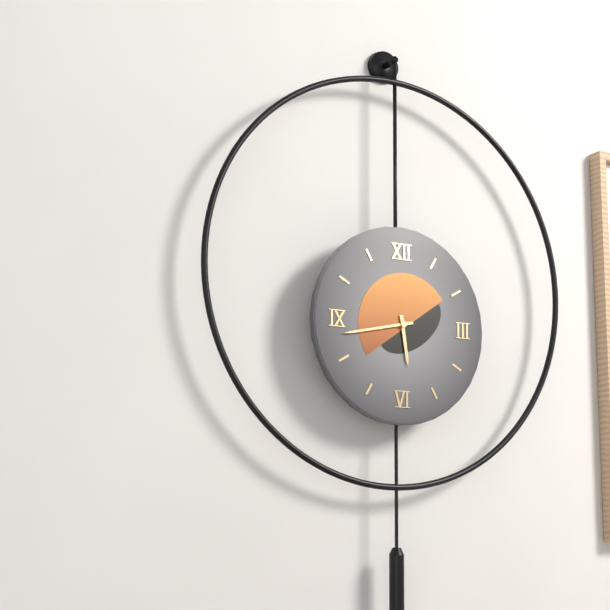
5:43
